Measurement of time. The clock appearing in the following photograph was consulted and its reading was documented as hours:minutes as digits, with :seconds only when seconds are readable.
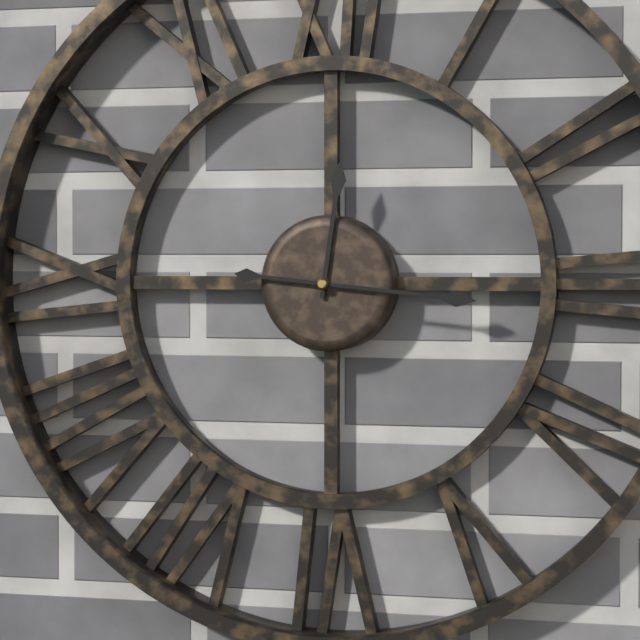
12:16
